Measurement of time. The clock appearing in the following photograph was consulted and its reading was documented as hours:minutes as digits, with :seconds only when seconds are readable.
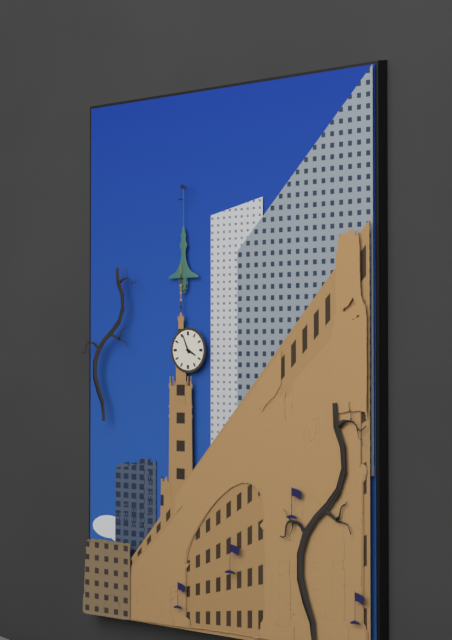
3:56
